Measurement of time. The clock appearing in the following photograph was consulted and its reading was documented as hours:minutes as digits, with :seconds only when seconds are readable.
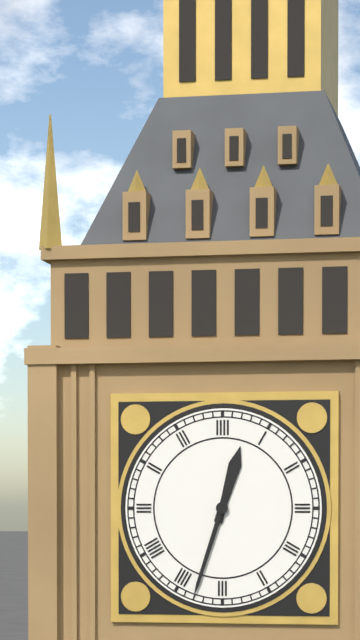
12:33
